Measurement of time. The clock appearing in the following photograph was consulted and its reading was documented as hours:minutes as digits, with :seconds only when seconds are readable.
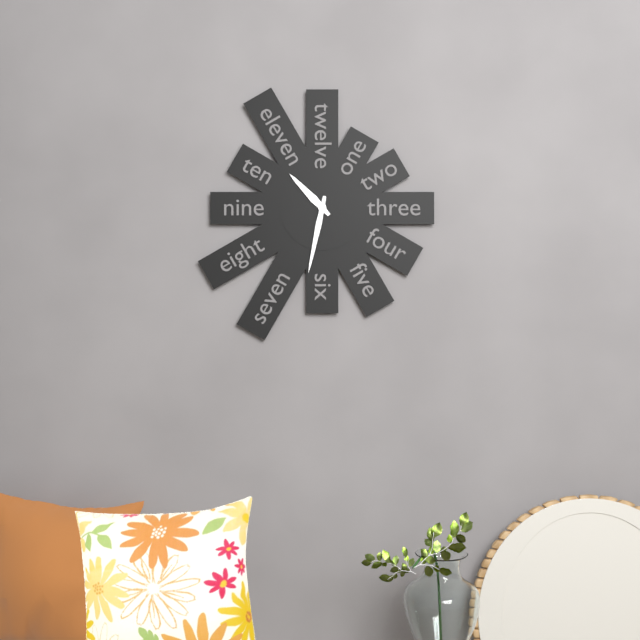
10:32
